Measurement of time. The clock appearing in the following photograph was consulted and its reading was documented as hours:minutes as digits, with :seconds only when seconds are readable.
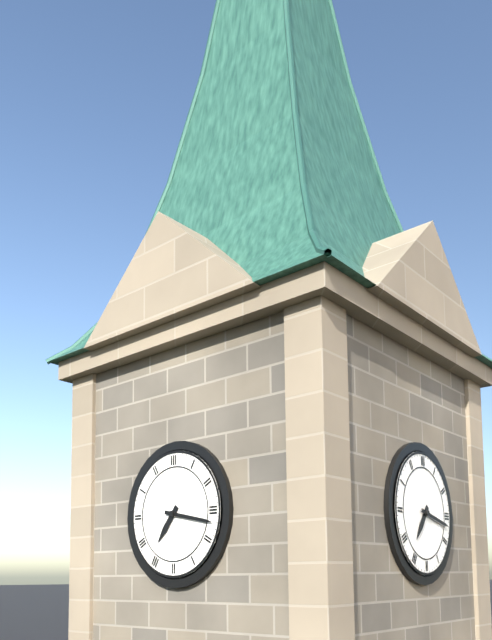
7:17
